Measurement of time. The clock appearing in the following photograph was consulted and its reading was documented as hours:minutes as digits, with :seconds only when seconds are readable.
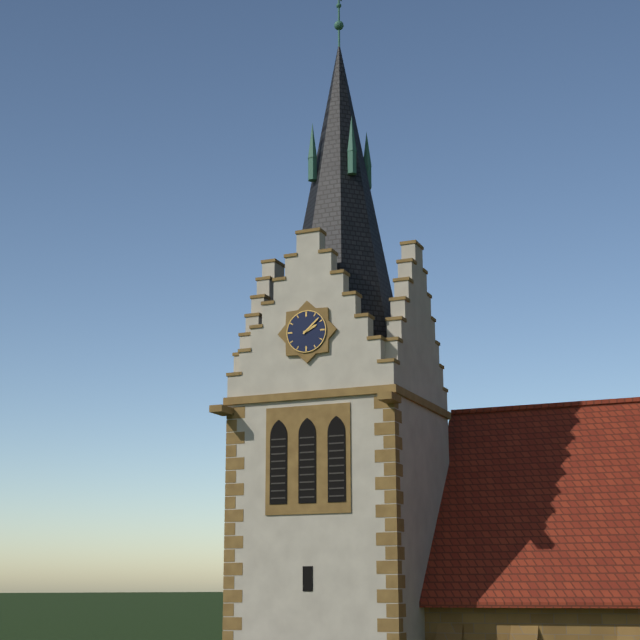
2:08
